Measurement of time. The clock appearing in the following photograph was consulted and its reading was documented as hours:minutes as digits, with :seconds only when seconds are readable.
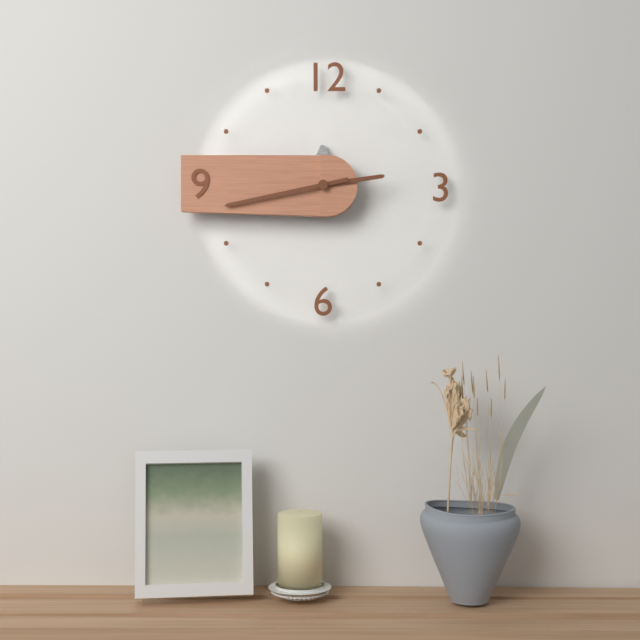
2:43
